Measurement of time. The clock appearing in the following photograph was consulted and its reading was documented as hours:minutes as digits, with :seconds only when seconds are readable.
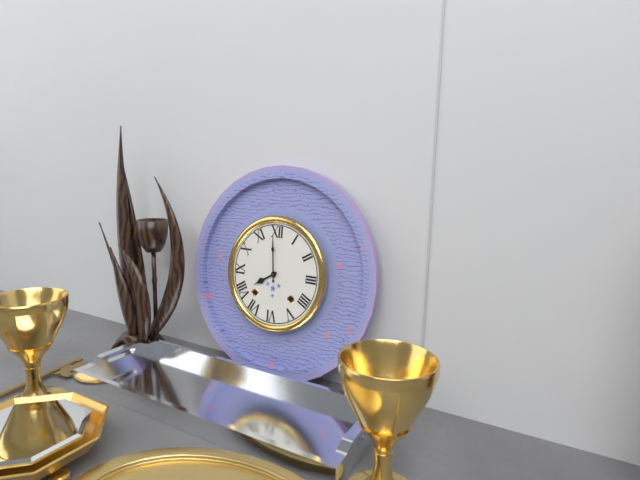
7:59
